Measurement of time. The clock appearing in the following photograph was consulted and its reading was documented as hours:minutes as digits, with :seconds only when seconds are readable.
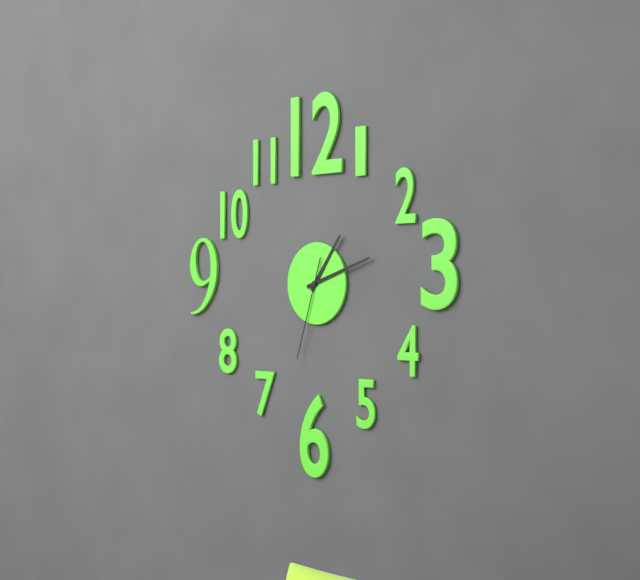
1:12:33
